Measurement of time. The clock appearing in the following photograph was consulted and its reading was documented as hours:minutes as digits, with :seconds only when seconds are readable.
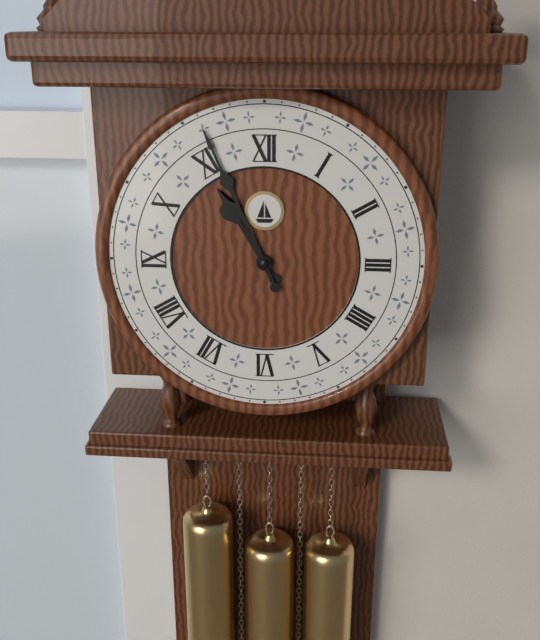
10:56
